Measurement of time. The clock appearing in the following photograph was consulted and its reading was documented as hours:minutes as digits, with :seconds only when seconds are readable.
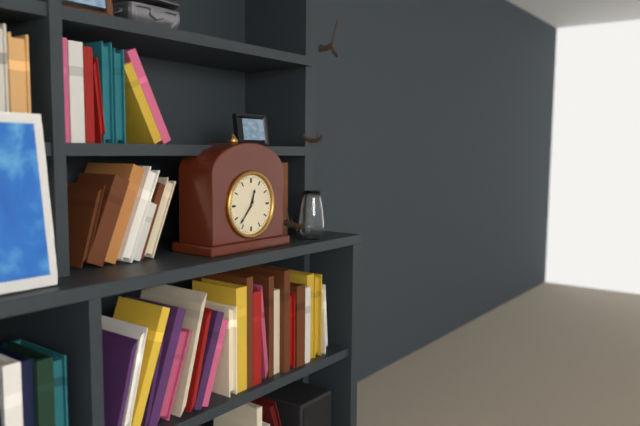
12:37
